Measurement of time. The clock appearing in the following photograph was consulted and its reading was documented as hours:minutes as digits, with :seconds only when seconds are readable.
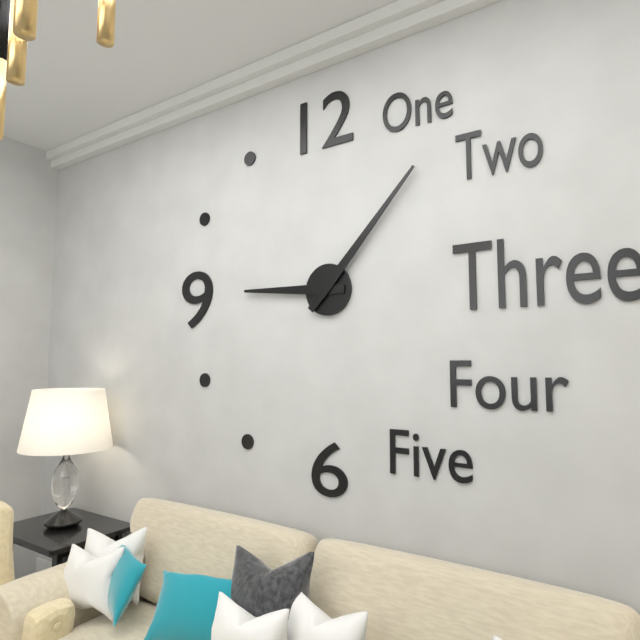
9:07
